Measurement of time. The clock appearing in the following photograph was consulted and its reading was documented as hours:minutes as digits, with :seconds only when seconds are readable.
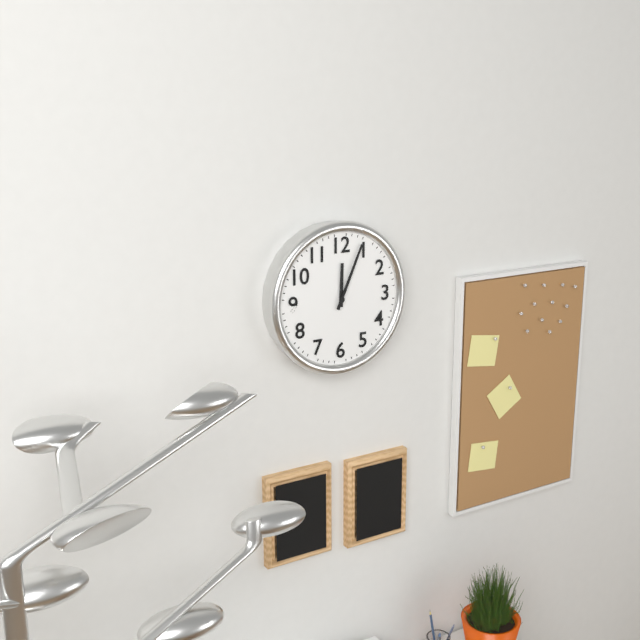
12:04
